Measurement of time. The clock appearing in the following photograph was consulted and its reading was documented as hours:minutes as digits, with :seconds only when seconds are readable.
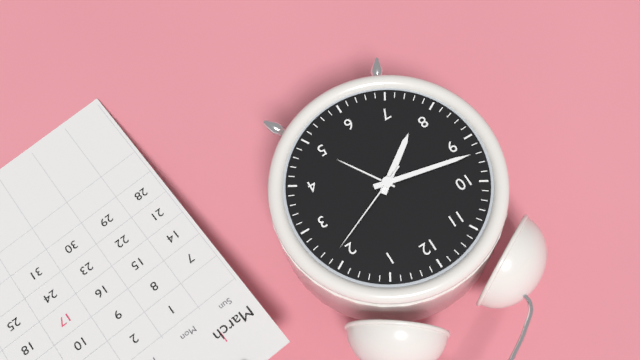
7:47:11
